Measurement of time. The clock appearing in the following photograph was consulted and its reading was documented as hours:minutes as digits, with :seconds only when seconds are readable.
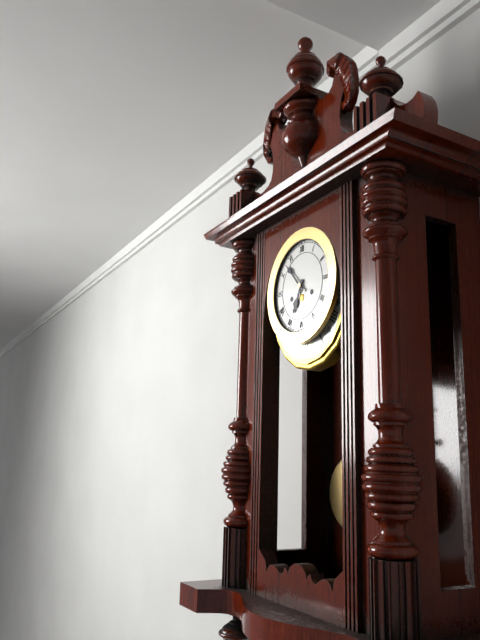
6:53
